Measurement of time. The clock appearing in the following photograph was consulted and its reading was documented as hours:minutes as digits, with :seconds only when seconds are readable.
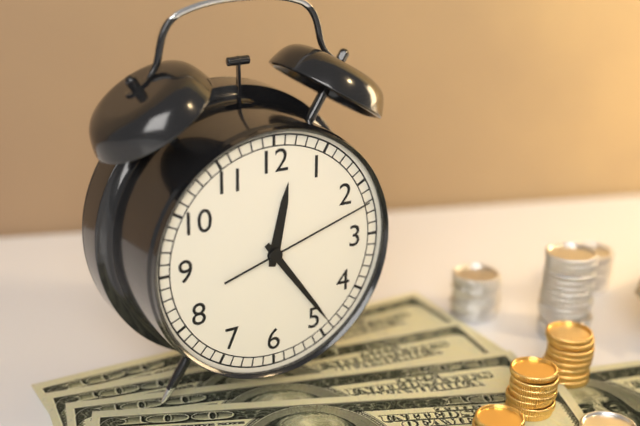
12:24:12
